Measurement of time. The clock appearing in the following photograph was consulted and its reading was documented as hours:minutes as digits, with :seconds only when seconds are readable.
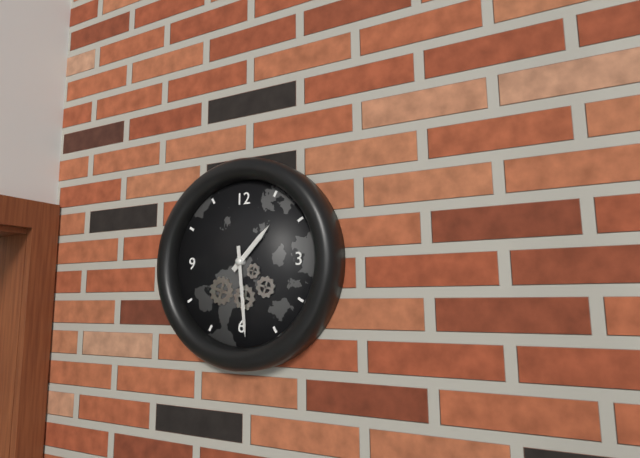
1:29
